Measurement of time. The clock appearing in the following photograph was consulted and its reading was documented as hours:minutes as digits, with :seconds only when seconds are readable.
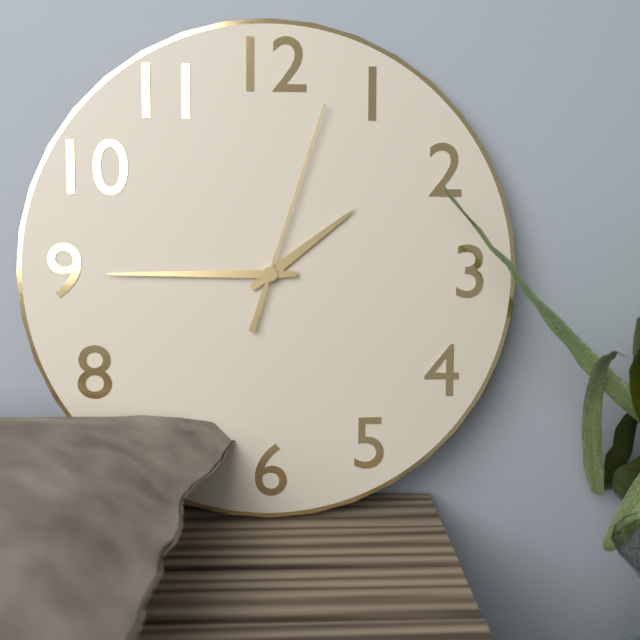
1:45:03
